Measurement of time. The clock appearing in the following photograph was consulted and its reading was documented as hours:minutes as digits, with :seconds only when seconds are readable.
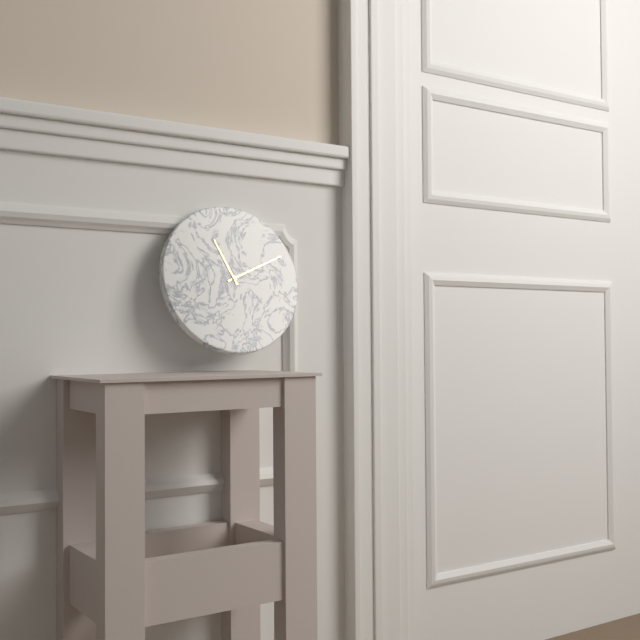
11:11
